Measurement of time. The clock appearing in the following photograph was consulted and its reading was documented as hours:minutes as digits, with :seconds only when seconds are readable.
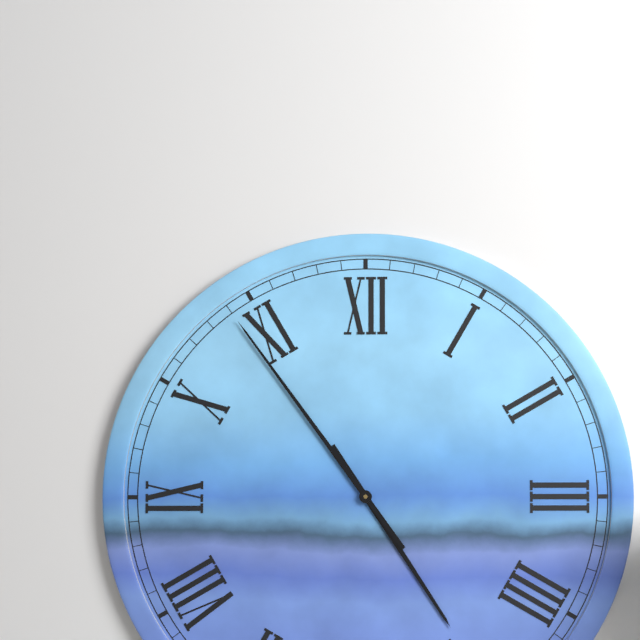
4:54
